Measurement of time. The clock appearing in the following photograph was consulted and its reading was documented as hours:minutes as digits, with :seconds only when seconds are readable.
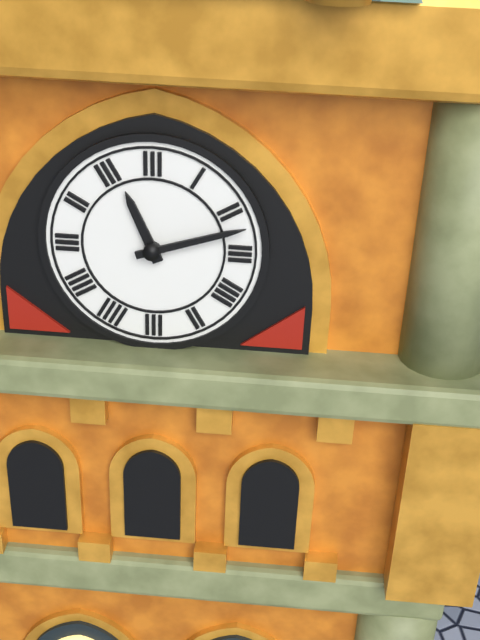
11:12
